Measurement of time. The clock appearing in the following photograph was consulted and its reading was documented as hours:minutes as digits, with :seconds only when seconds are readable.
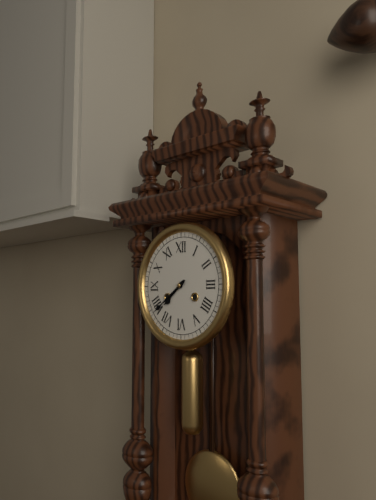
7:39
